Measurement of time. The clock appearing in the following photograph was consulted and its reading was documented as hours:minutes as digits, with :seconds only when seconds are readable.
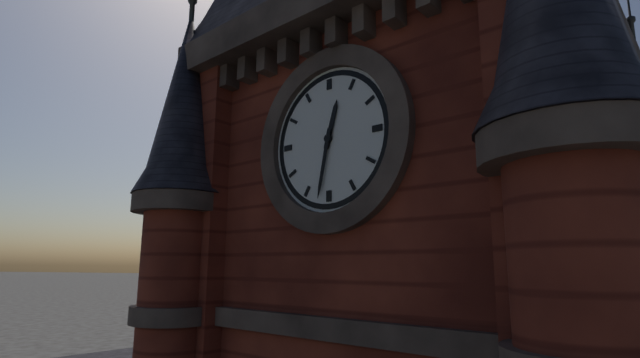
12:32
